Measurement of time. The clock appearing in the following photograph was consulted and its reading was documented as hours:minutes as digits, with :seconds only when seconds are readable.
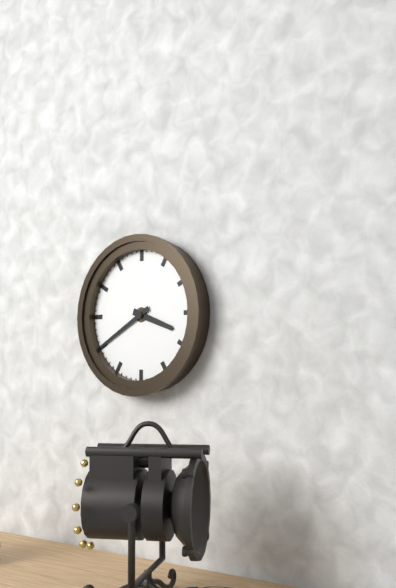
3:40
